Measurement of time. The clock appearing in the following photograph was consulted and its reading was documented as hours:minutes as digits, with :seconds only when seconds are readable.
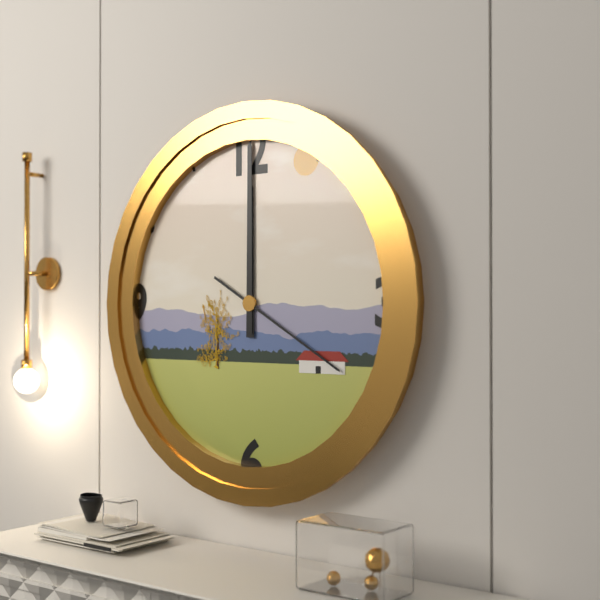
12:00:20
